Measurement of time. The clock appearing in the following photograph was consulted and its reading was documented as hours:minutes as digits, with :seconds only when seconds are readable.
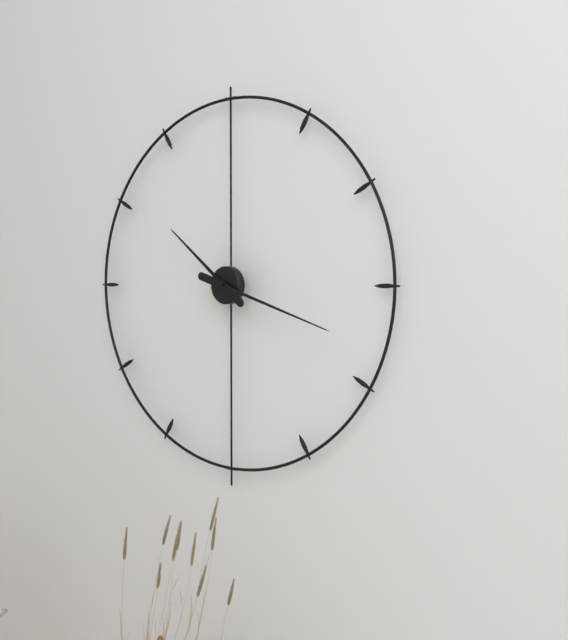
10:18
